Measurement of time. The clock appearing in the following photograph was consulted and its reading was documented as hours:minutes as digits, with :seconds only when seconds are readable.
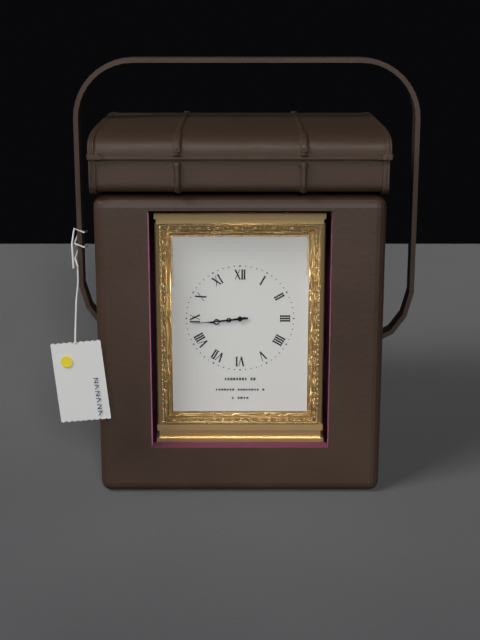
8:44
